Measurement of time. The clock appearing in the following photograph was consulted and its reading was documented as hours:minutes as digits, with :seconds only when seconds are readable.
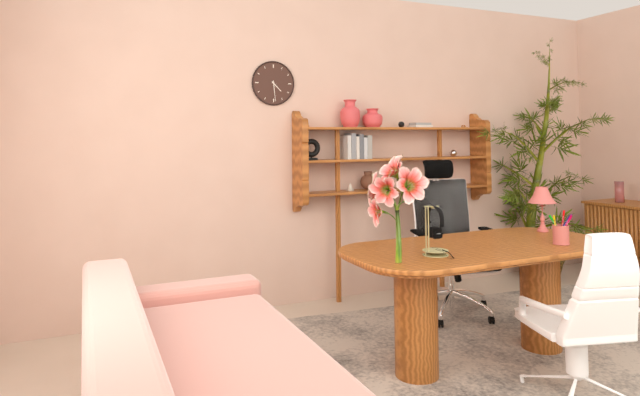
4:29
